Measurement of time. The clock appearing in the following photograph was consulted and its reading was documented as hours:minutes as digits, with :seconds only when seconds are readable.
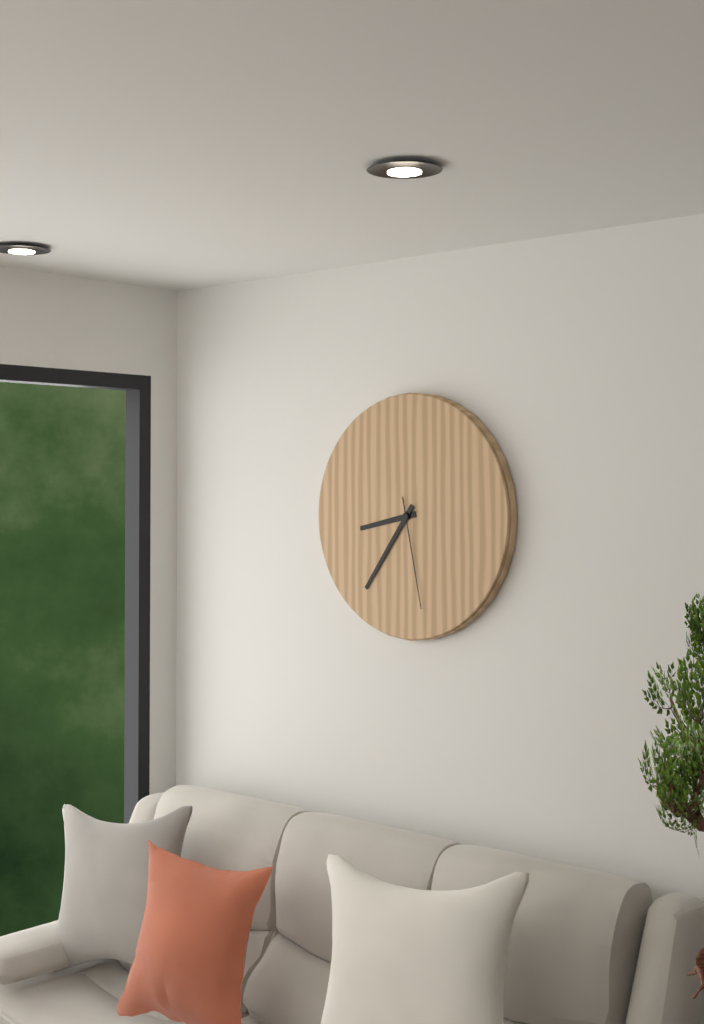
8:36:28
